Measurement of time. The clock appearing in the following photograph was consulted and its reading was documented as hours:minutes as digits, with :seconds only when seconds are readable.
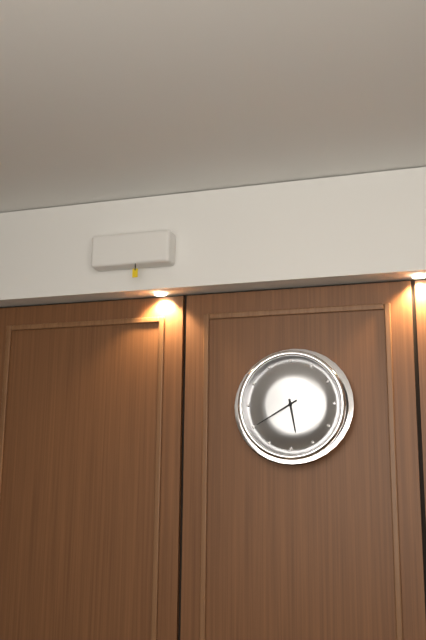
5:40
